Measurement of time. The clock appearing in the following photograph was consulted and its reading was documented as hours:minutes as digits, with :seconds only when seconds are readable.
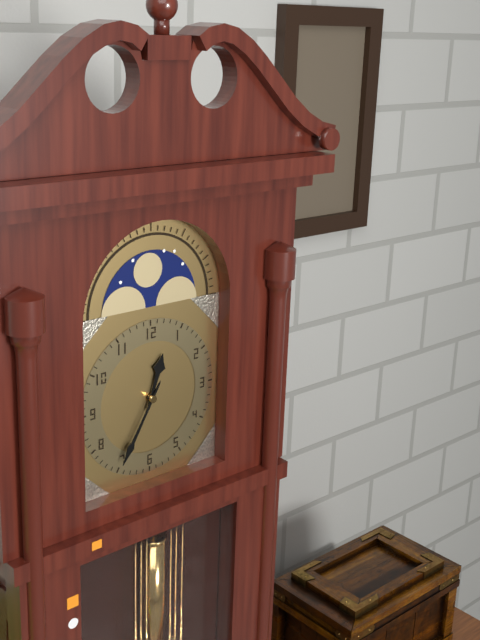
12:35
